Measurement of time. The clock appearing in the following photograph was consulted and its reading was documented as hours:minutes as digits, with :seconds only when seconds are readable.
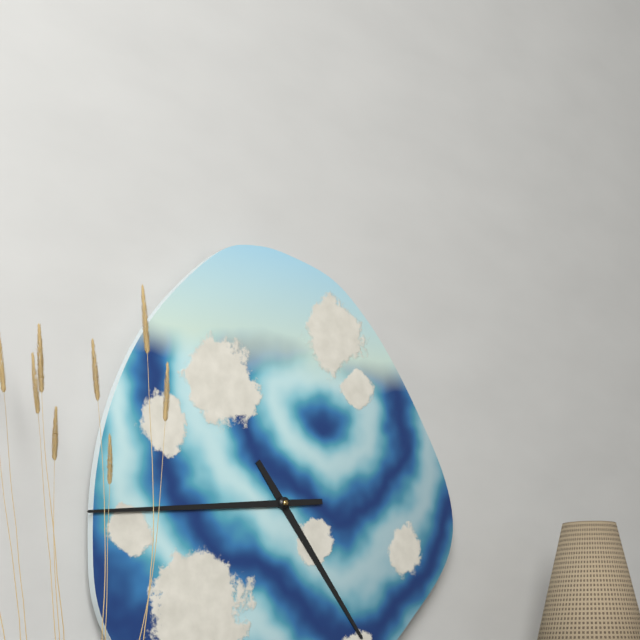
4:44
